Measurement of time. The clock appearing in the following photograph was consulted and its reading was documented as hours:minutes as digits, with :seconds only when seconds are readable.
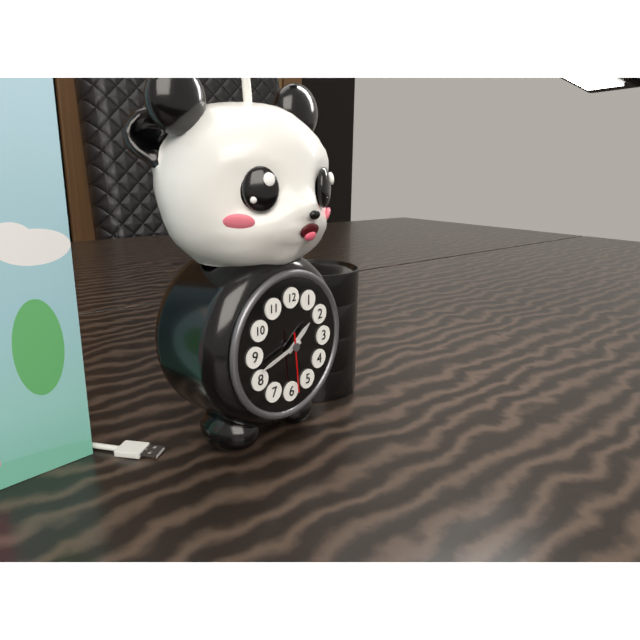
1:42:29
